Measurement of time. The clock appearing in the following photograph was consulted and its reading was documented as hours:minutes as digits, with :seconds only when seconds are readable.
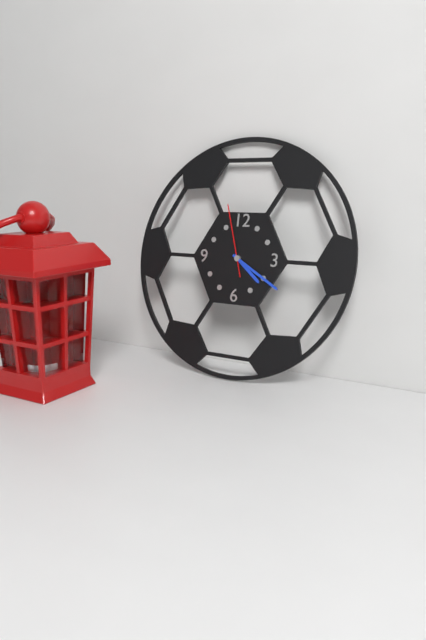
4:20:57
